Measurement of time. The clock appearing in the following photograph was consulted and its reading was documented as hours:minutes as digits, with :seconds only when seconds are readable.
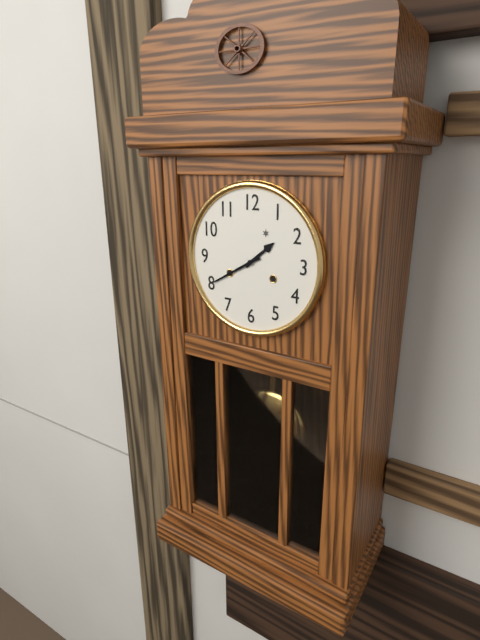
1:40
